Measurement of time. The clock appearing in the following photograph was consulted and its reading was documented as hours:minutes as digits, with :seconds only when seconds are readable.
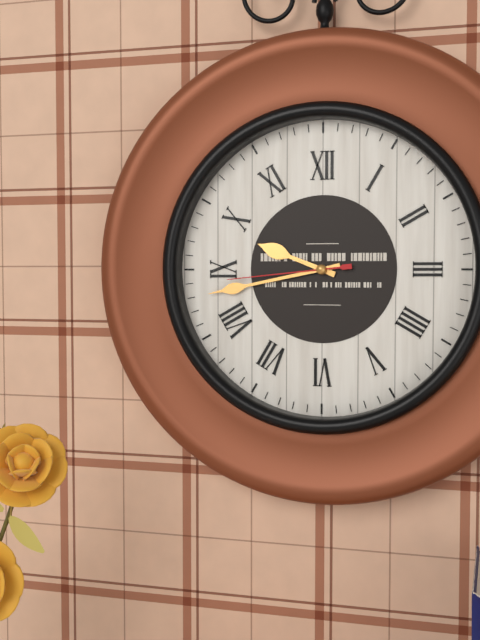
9:43:44
